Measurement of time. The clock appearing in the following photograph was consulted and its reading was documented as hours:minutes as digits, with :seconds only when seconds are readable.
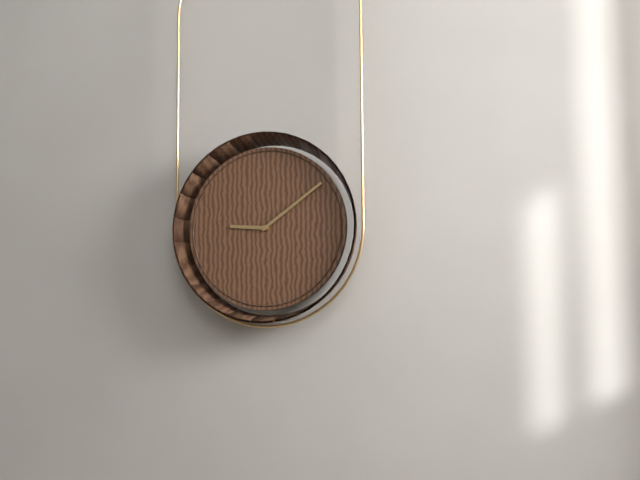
9:09
